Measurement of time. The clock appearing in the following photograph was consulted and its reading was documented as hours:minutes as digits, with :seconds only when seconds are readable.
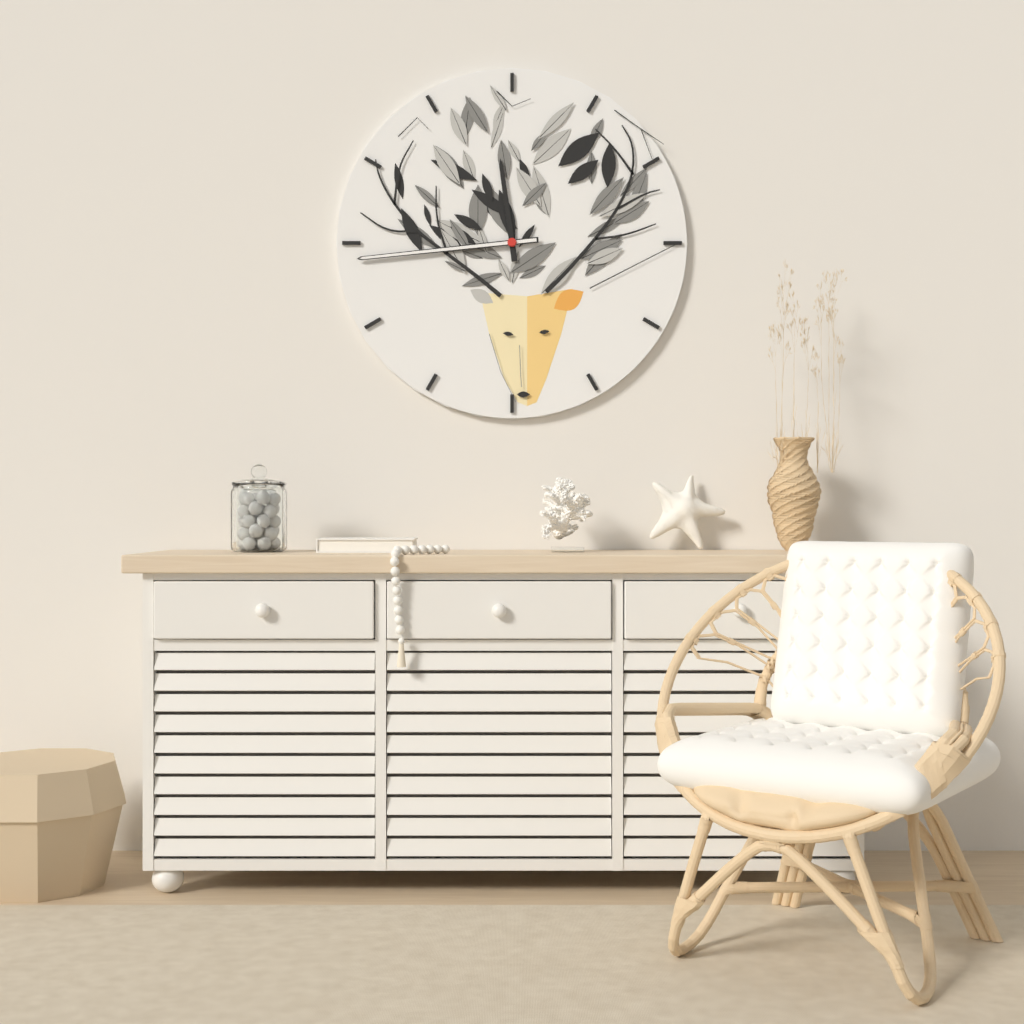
11:44
